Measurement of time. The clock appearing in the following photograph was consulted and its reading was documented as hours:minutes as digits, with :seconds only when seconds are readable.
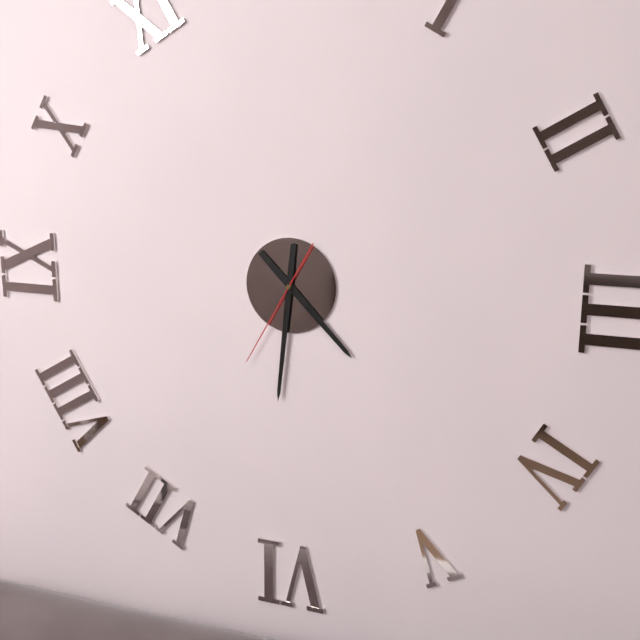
4:31:35
